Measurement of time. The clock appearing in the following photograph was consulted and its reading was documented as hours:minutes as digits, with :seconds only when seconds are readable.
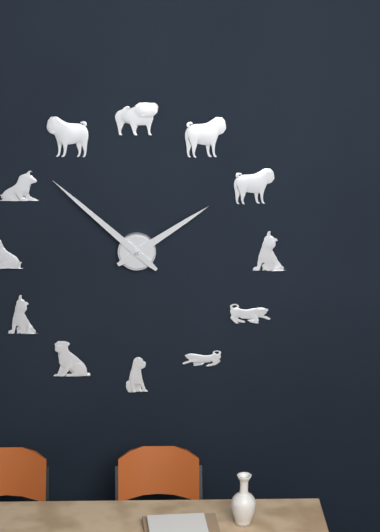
1:52
